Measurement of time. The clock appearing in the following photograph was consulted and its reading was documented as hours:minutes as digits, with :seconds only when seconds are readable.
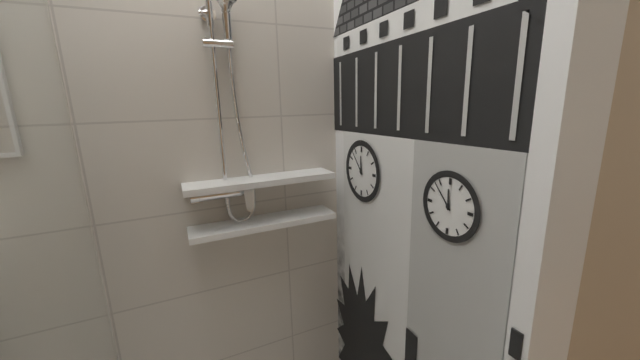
11:53
